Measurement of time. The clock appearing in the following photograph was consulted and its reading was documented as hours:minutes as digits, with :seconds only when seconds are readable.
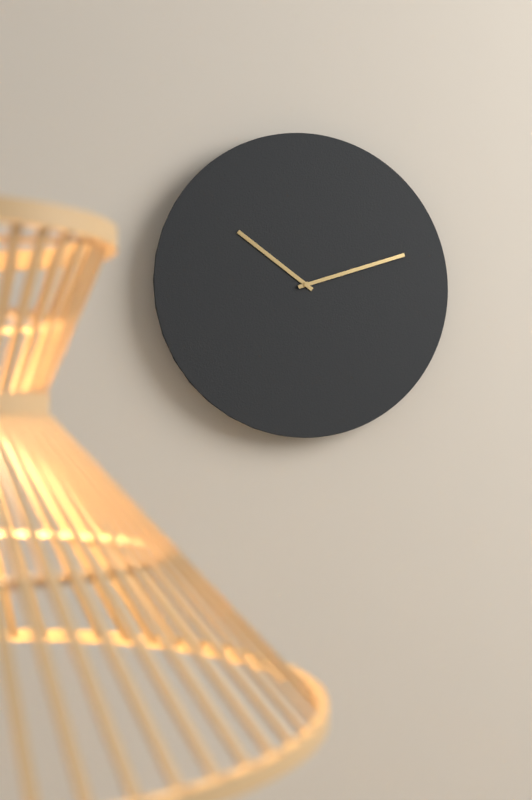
10:12
